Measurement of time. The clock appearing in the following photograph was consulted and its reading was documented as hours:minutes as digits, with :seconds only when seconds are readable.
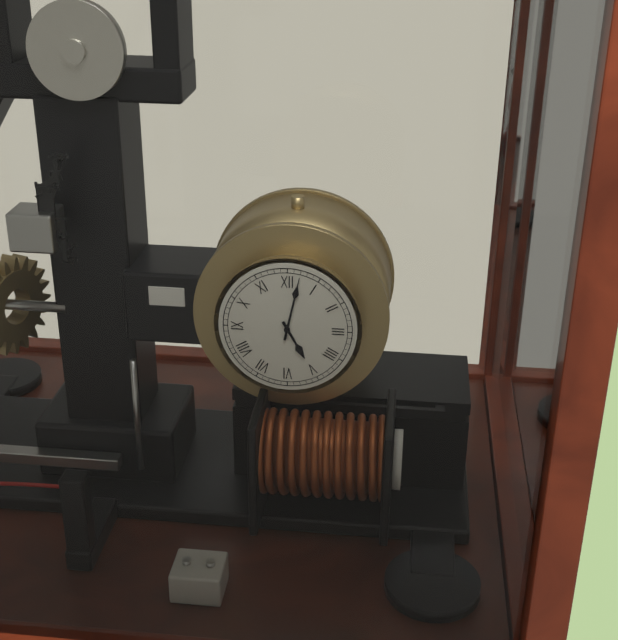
5:02
